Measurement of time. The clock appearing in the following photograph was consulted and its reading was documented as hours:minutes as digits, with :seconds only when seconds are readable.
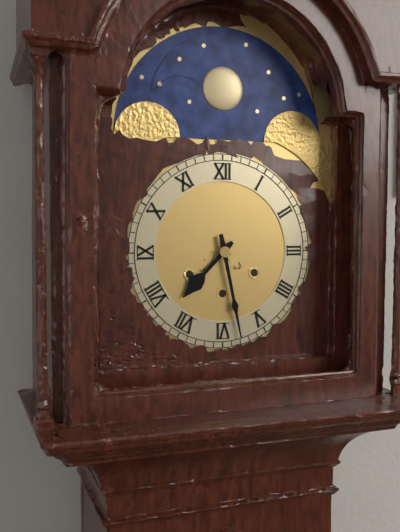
7:28
